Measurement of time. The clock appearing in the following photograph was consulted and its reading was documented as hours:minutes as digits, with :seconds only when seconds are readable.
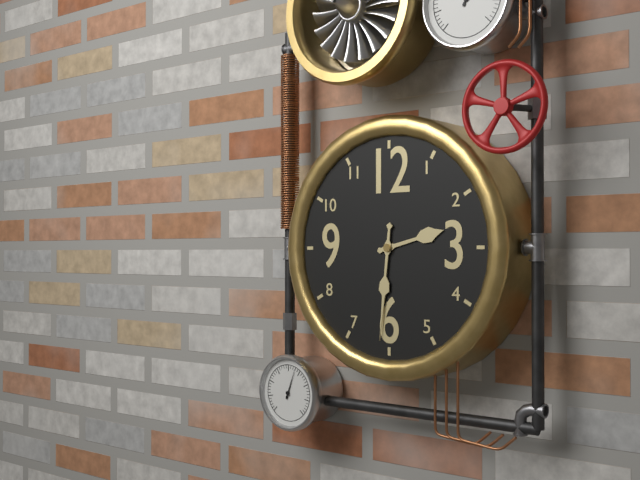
2:31
